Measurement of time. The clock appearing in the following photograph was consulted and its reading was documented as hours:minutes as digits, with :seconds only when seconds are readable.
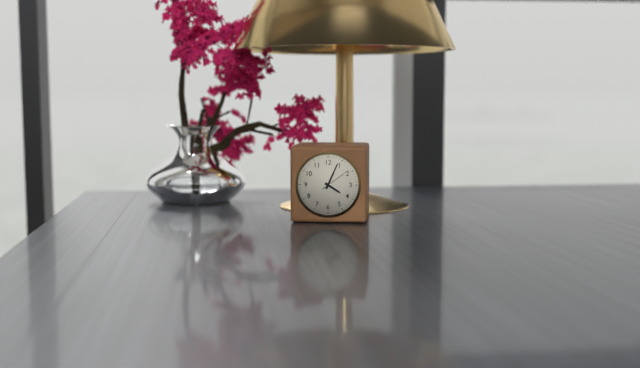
4:04
